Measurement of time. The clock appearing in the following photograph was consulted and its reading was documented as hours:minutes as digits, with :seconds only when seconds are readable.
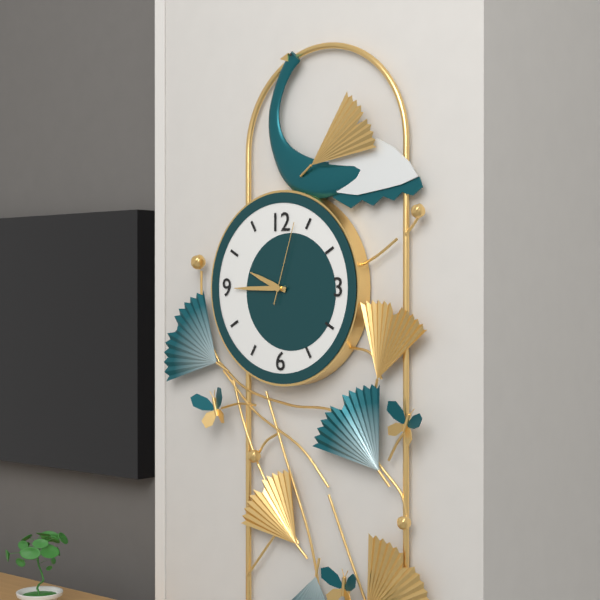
9:45:03
